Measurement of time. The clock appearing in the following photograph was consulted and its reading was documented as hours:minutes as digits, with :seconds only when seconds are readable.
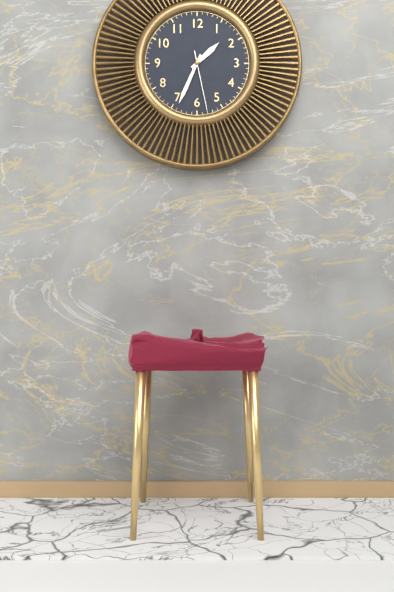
1:34:28
